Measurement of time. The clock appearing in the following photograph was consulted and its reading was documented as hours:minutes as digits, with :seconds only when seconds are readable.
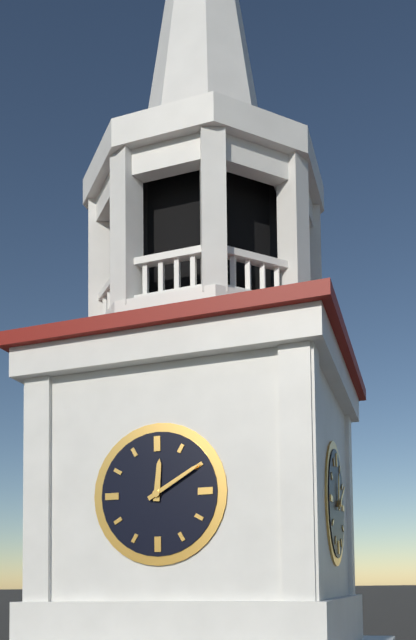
12:10
